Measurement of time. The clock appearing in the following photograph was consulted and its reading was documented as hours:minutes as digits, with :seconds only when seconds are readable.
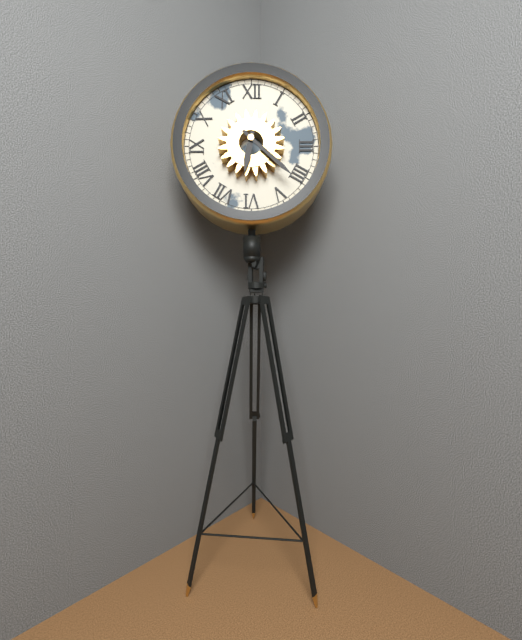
6:22
